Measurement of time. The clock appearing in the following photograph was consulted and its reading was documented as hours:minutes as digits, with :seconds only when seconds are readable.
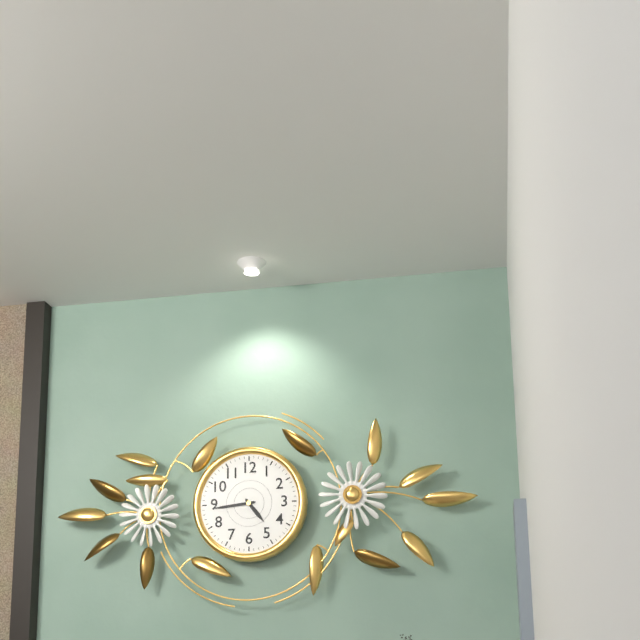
4:44
